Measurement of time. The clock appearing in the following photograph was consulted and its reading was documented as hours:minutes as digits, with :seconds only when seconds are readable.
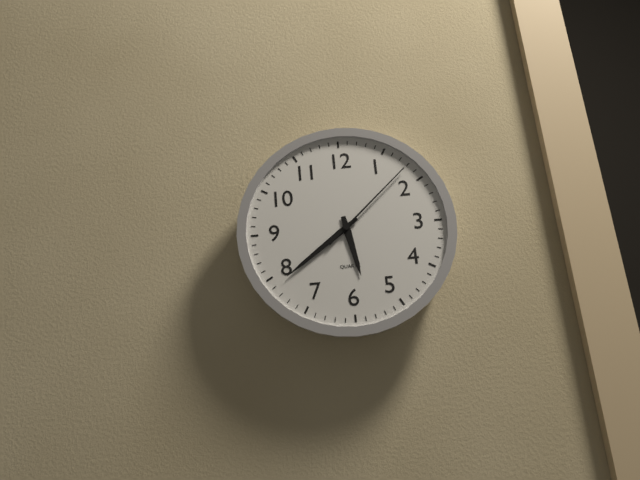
5:39:08
